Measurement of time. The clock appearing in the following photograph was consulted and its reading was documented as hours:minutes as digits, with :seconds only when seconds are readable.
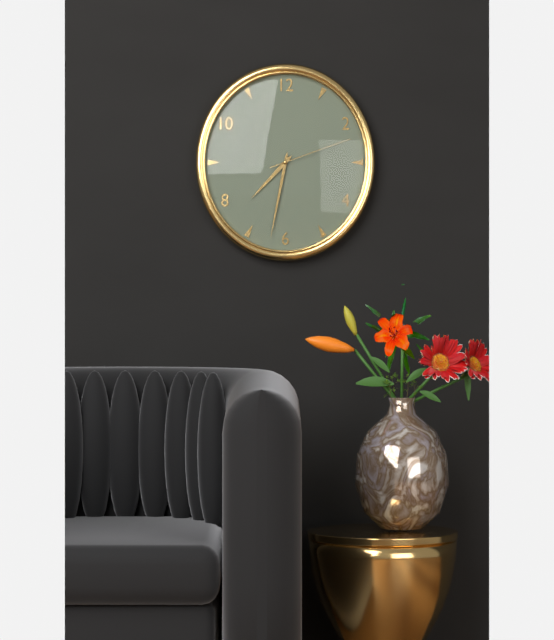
7:32:12
